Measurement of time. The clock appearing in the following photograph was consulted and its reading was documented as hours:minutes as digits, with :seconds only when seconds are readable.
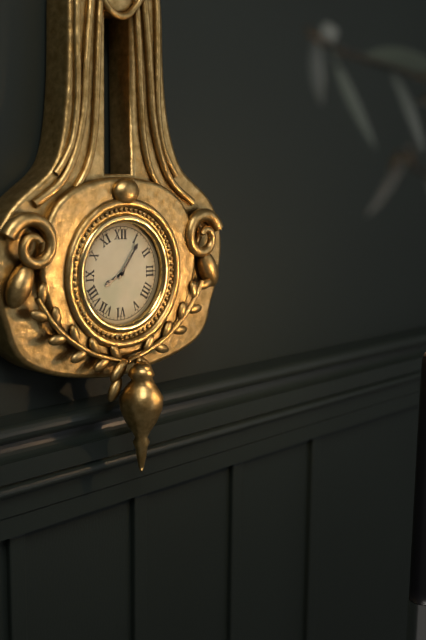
8:06
